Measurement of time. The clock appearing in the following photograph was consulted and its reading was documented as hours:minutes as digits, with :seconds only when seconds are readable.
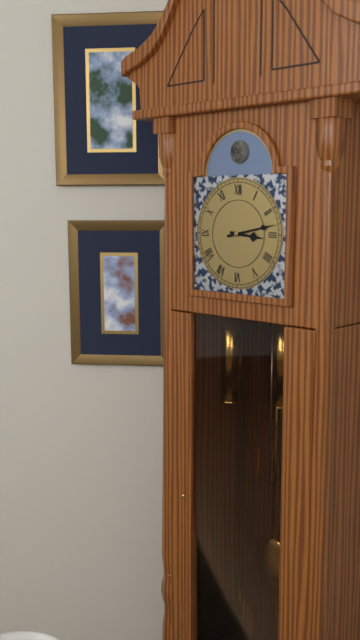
3:13
